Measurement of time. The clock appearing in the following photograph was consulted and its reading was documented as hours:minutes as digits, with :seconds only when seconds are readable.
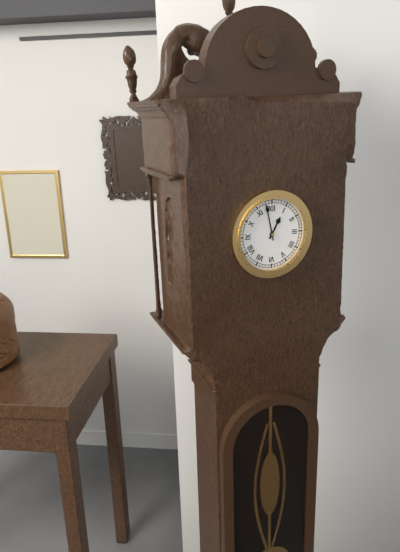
12:58
